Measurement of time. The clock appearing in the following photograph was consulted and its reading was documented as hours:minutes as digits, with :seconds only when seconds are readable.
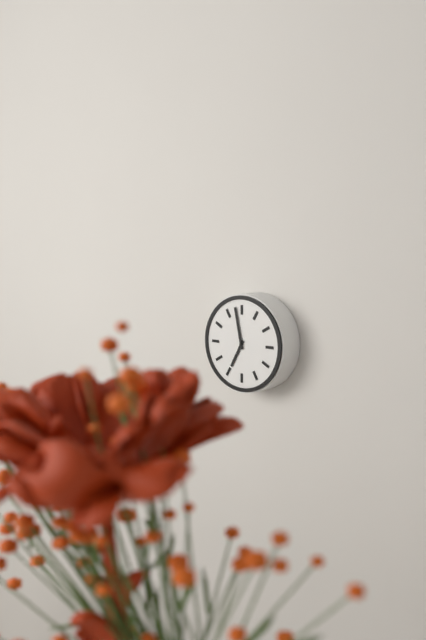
6:58
